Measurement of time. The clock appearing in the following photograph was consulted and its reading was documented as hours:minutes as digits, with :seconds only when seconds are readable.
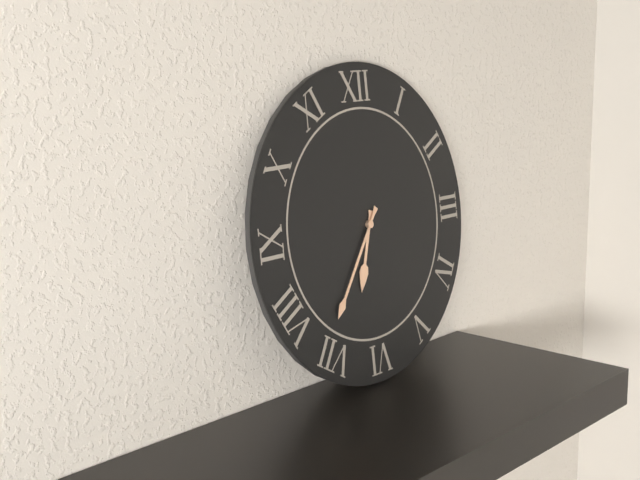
6:36
